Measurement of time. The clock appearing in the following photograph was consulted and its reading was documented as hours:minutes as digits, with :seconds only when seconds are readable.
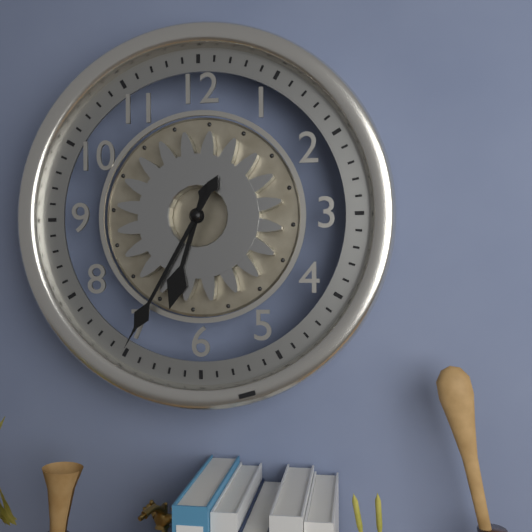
6:35
